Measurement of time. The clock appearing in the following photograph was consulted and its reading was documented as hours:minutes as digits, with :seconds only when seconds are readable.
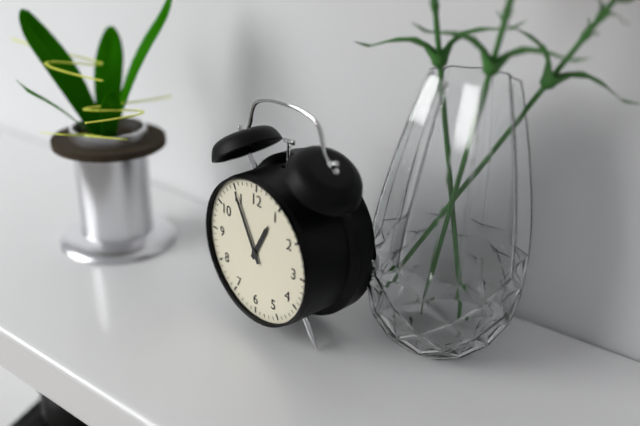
12:55
